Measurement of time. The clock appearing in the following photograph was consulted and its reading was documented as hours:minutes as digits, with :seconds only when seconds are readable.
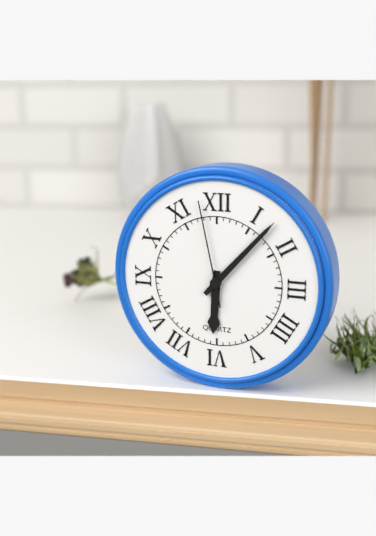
6:07:58
